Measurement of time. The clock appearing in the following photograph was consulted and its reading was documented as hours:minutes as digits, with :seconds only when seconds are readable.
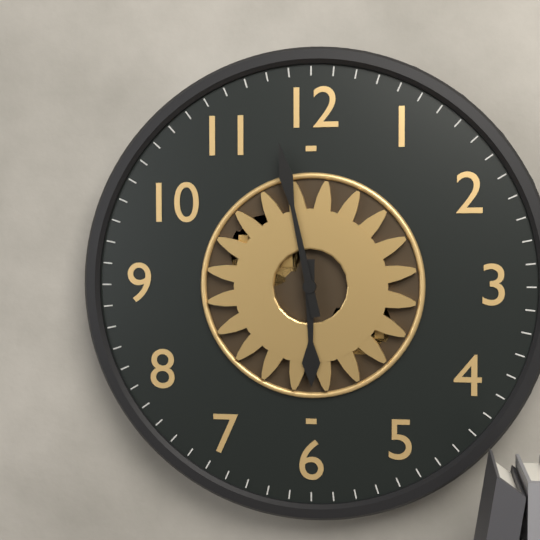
5:58
